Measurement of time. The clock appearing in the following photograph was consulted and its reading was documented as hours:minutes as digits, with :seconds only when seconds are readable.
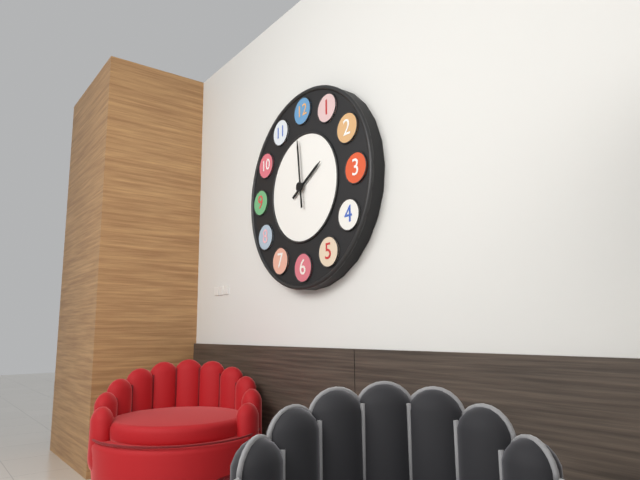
1:59
